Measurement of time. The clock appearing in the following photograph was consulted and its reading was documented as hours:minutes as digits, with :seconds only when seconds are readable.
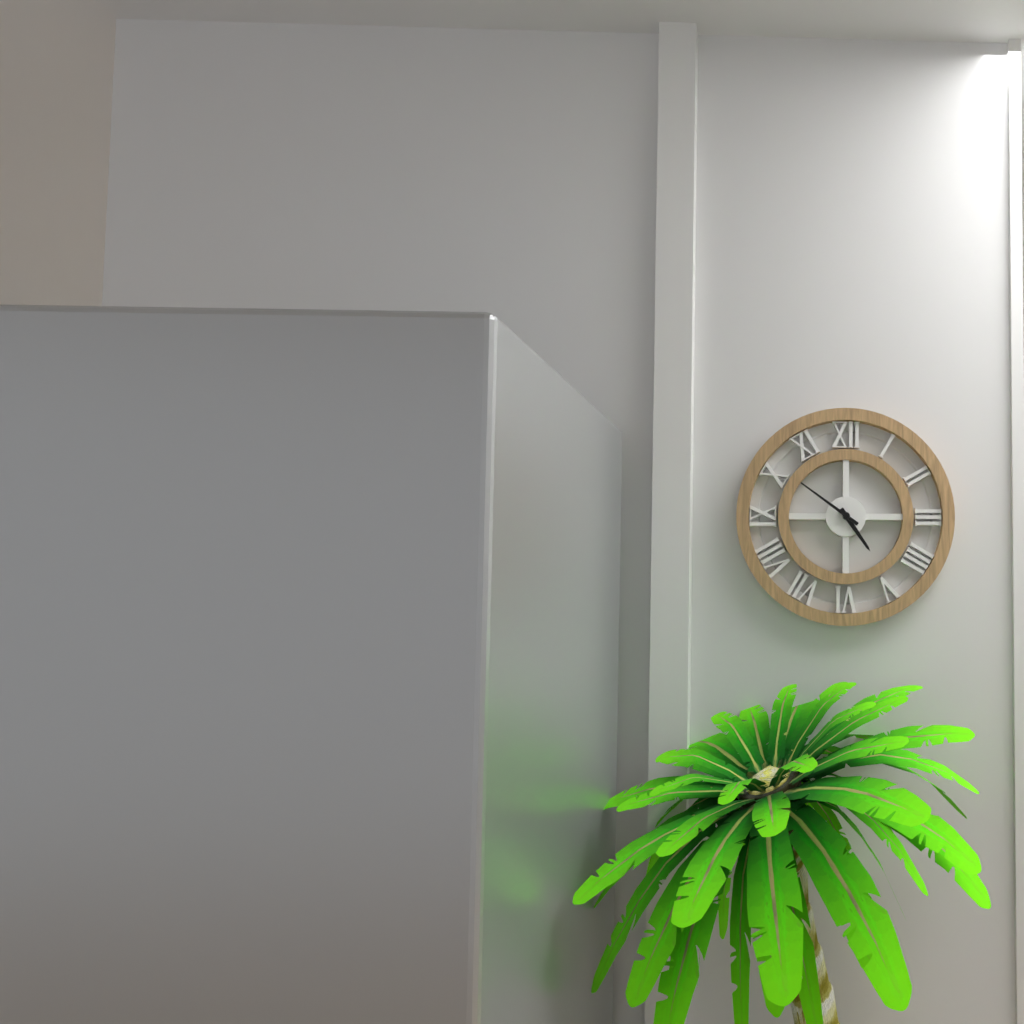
4:51
